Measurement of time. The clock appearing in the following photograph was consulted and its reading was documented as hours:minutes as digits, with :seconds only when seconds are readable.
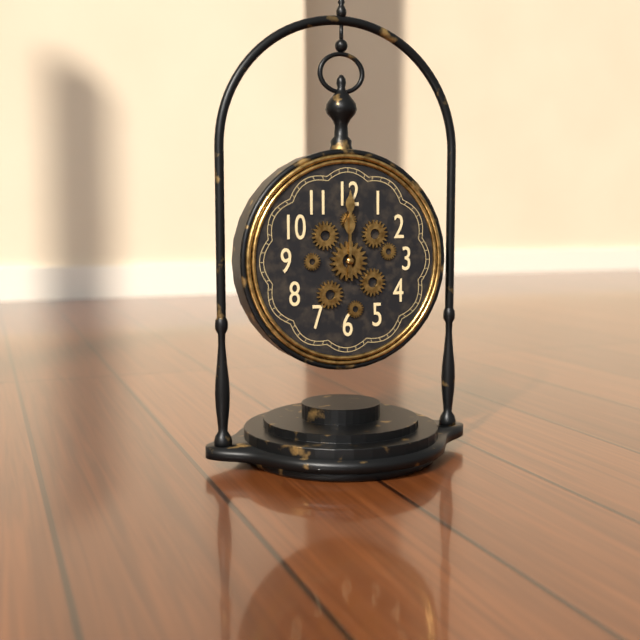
12:00
